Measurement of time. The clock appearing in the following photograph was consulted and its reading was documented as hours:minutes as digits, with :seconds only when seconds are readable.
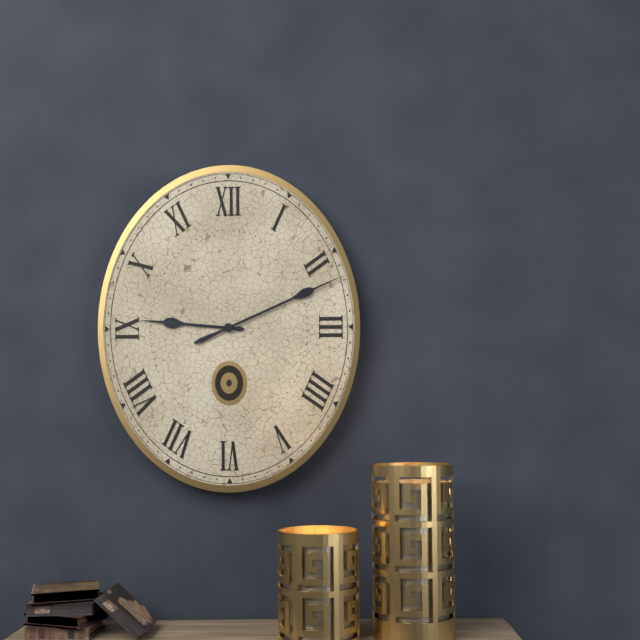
9:11
